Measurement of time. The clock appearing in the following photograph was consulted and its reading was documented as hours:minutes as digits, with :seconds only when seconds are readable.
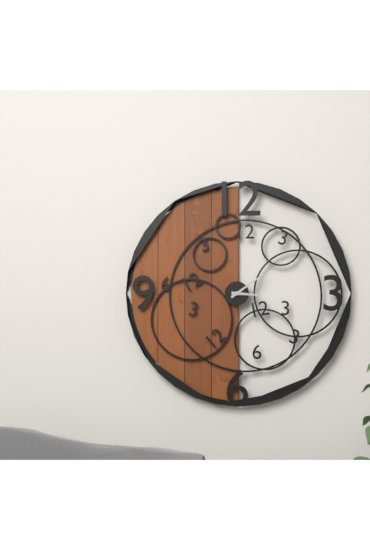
3:09
